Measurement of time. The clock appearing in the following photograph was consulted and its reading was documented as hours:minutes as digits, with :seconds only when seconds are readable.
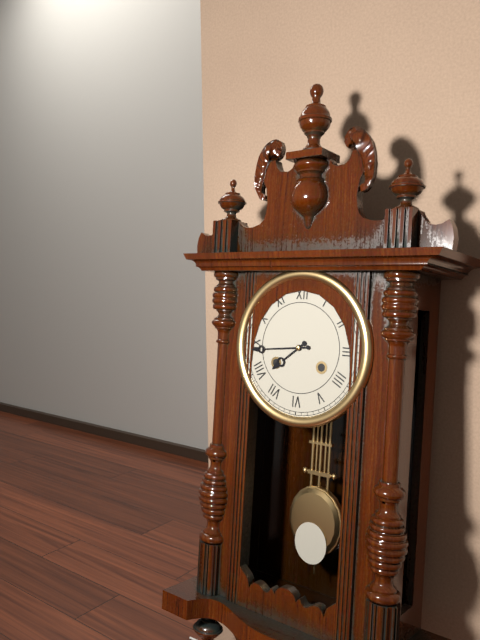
7:44
